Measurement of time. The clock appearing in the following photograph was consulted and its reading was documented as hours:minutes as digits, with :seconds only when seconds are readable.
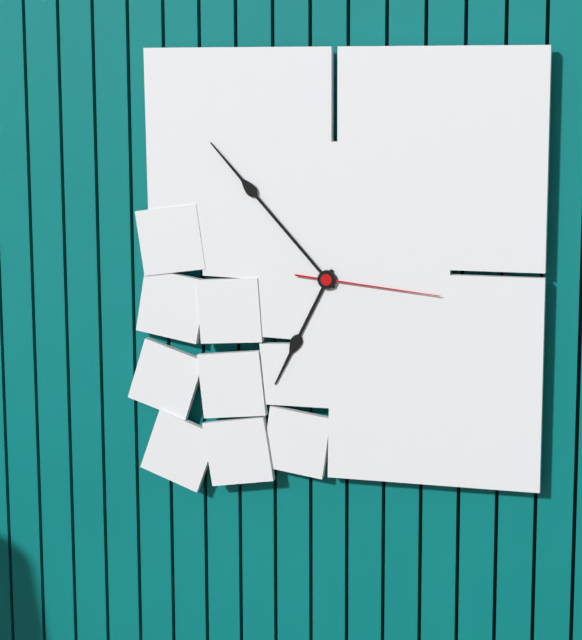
6:53:16
